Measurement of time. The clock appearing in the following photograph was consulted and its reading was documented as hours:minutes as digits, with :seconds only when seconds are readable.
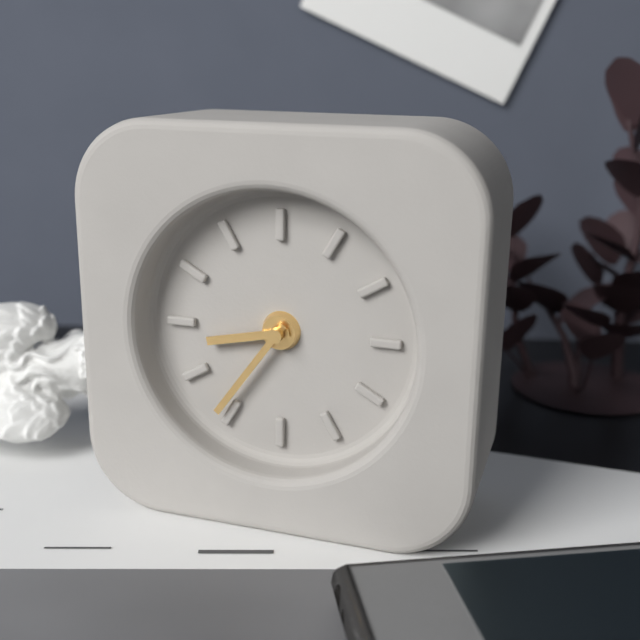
8:36
